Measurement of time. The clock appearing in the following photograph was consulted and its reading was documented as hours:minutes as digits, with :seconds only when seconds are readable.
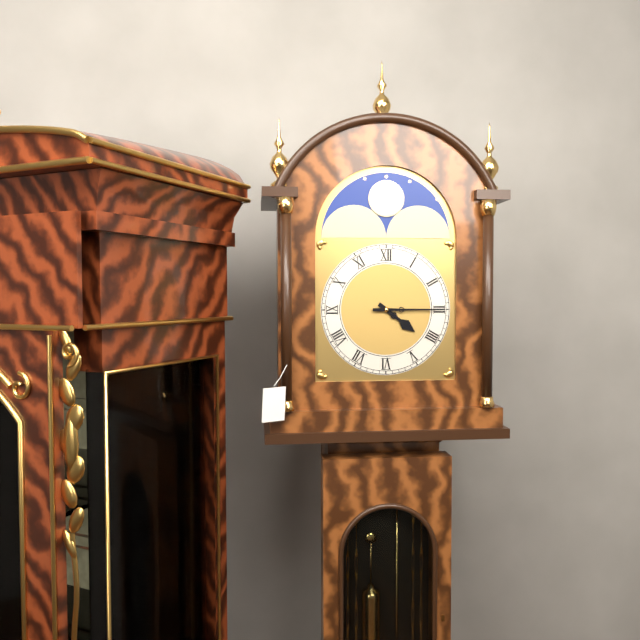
4:15
